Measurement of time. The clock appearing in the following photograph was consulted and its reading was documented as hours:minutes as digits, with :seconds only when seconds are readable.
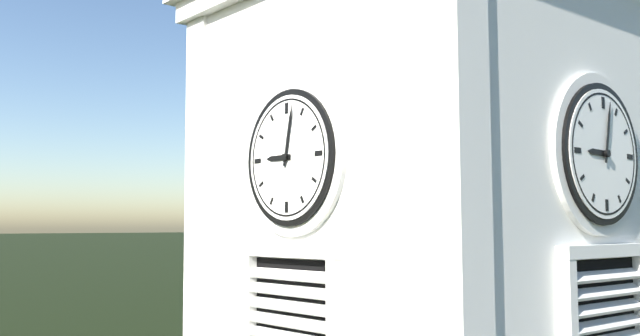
9:02
